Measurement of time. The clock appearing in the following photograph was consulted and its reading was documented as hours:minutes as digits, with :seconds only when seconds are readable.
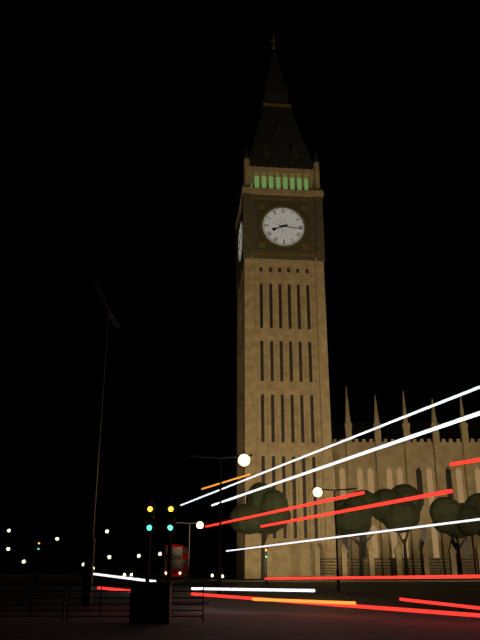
8:16
